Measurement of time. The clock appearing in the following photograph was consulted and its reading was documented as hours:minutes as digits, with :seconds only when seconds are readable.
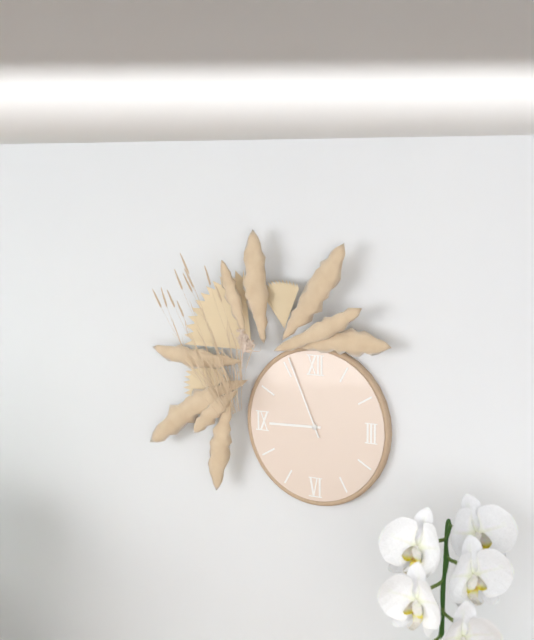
8:56
